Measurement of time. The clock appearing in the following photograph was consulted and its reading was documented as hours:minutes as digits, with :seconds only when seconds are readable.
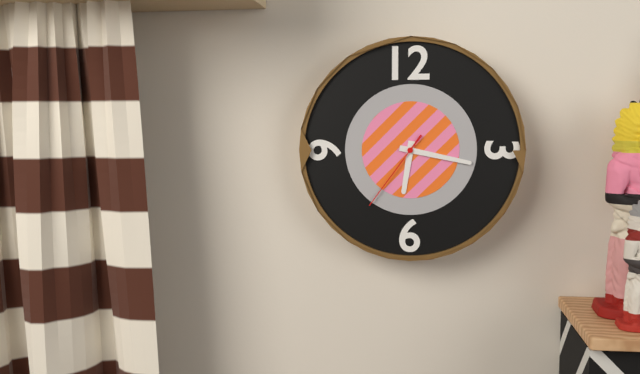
6:17:36
